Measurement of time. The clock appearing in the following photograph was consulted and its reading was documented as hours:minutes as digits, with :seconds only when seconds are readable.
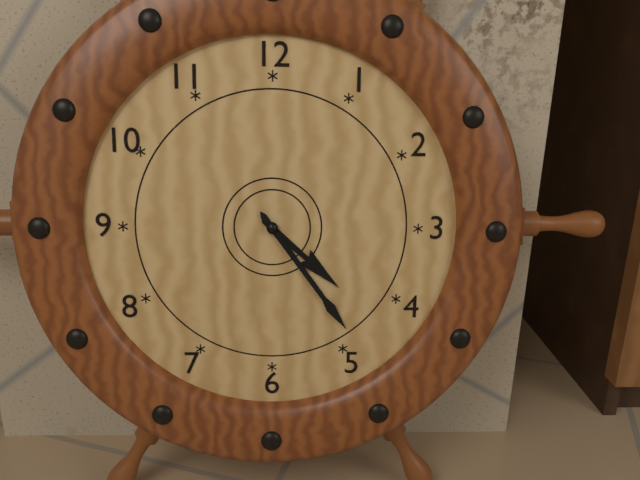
4:24
